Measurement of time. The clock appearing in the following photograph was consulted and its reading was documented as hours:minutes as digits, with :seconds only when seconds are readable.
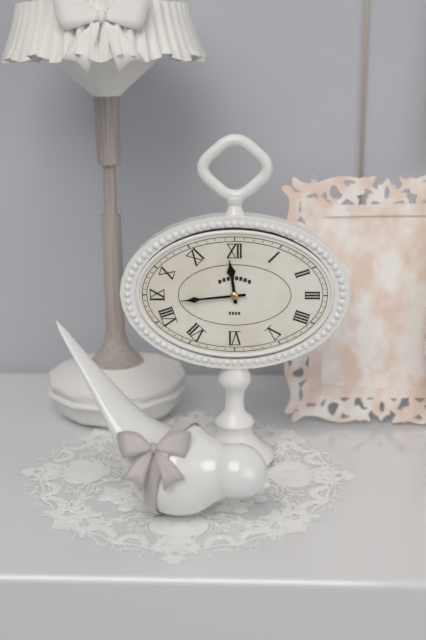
11:44
